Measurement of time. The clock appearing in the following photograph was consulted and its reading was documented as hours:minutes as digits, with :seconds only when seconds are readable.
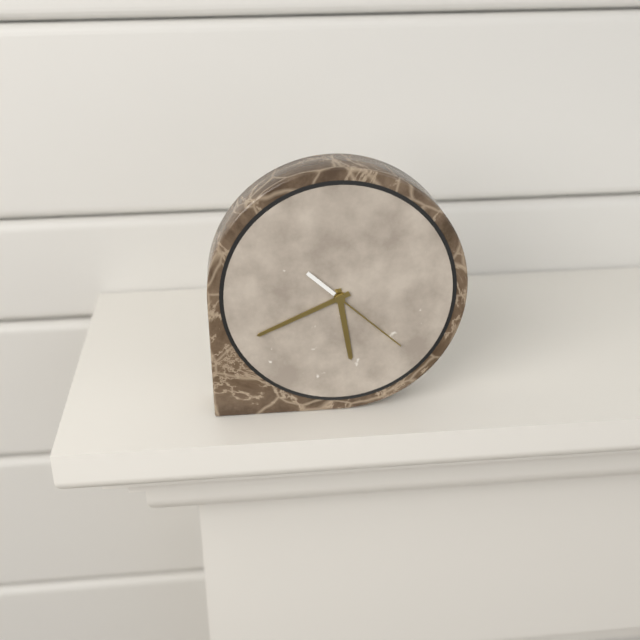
5:41:22
